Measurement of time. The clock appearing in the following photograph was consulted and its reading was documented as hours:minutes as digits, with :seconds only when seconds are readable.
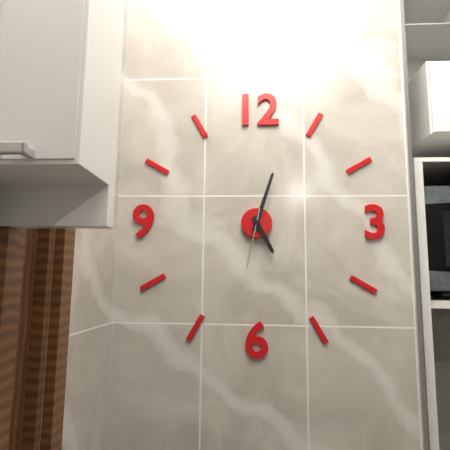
5:03:32
